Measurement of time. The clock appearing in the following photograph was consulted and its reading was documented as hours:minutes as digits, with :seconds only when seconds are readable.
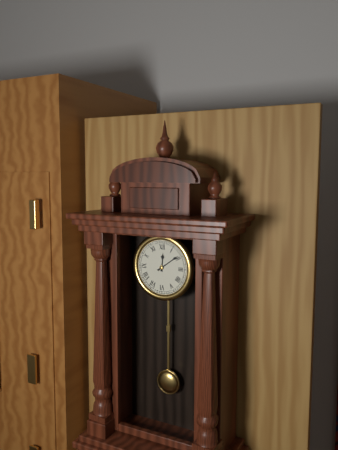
12:09
